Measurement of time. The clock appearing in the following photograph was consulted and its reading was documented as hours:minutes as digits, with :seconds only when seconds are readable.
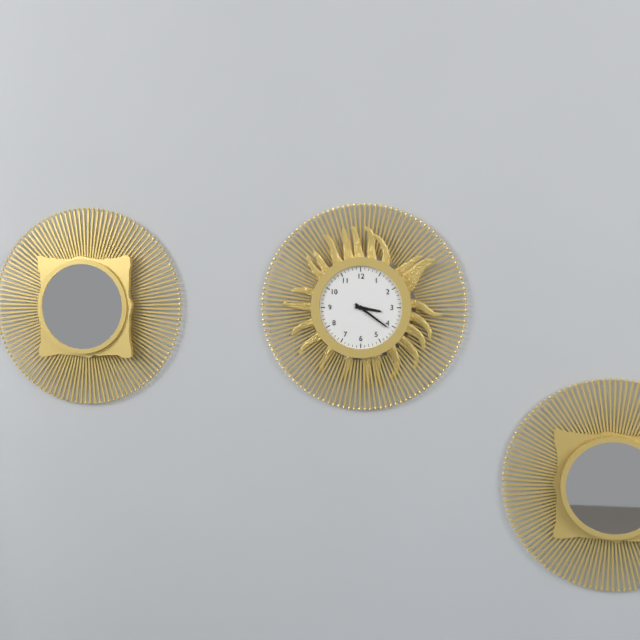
3:21
